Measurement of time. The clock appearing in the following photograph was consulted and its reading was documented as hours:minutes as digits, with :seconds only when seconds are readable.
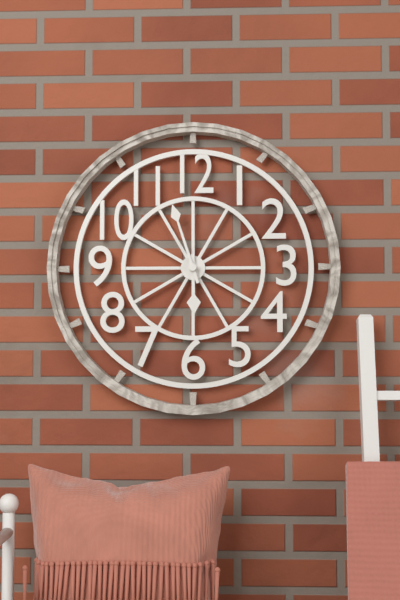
5:57
